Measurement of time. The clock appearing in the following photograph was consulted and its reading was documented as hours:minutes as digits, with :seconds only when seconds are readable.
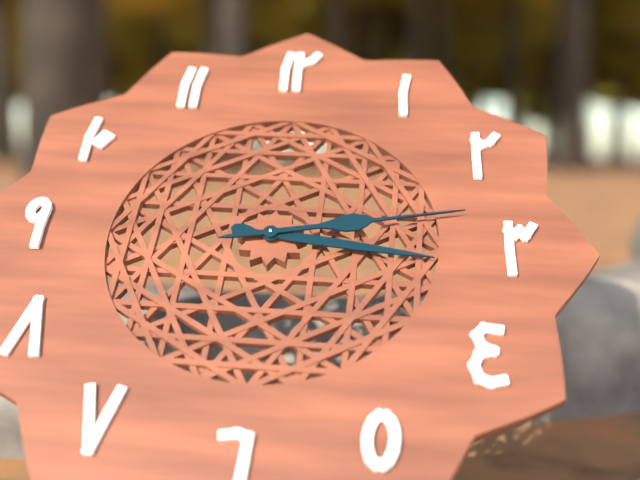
3:13
